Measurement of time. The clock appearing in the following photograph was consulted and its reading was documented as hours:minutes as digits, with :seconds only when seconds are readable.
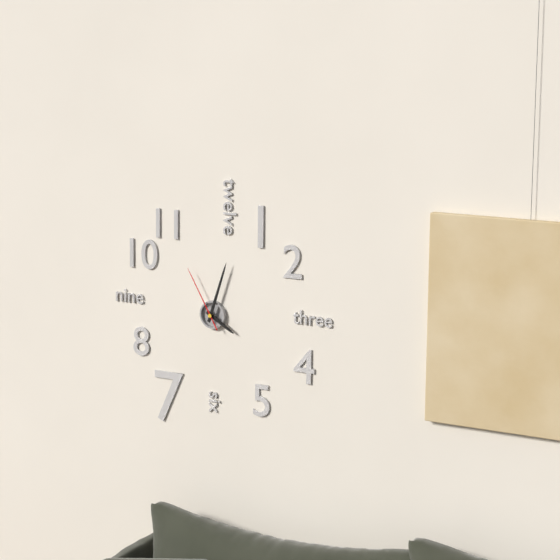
4:03:55
